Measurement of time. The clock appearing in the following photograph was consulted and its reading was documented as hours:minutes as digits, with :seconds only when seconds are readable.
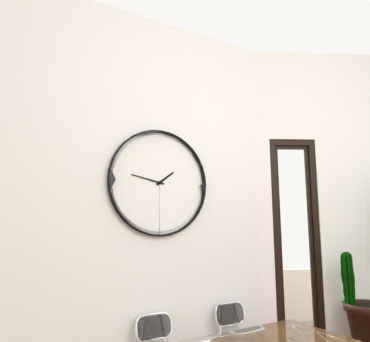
1:47
